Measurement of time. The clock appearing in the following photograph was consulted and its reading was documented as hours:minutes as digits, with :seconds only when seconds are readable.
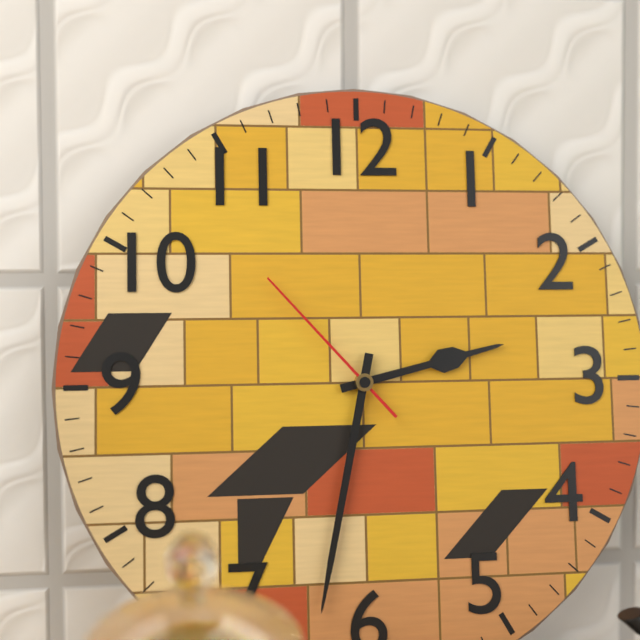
2:32:53
